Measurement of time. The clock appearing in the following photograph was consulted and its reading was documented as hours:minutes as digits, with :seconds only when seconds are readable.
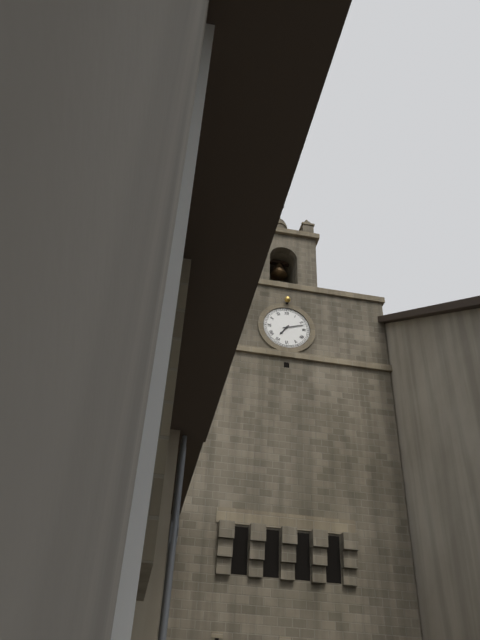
7:12
